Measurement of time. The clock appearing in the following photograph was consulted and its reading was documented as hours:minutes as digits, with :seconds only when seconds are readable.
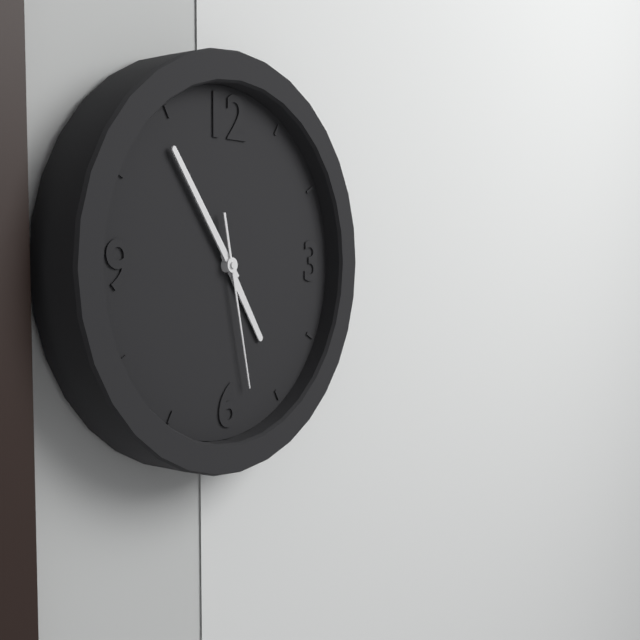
4:54:28
